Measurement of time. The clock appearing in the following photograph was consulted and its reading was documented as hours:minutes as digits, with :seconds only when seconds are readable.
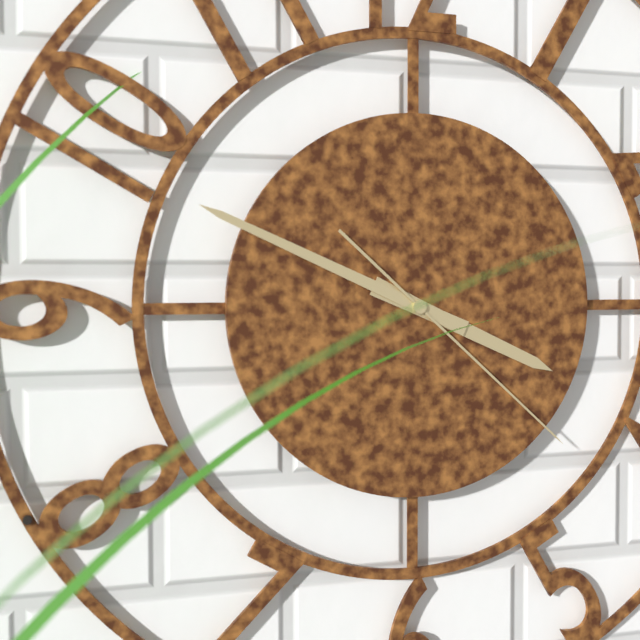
3:49:22
